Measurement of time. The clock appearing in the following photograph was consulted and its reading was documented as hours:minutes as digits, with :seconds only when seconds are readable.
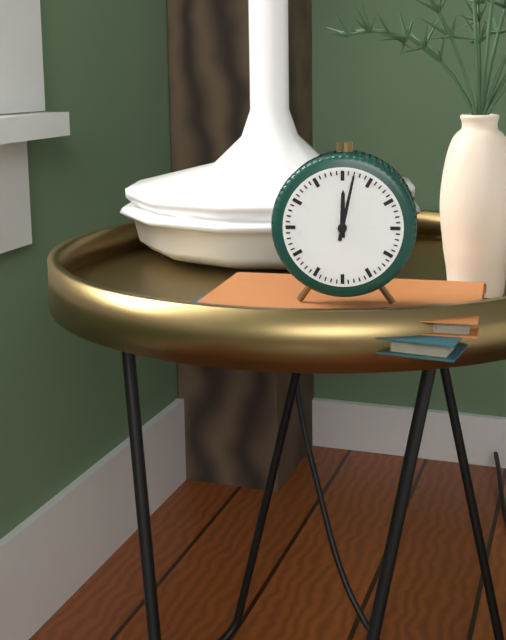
12:02
